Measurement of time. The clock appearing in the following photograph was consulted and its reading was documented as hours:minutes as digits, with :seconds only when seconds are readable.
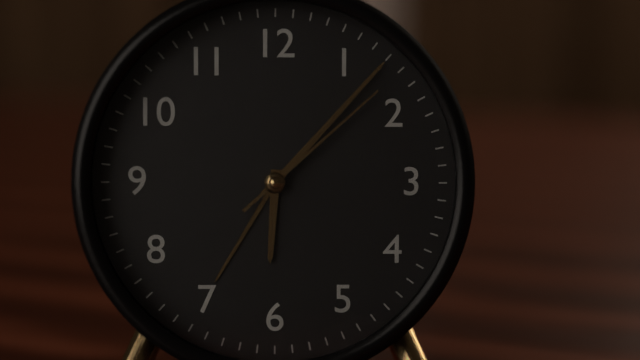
6:07:08
